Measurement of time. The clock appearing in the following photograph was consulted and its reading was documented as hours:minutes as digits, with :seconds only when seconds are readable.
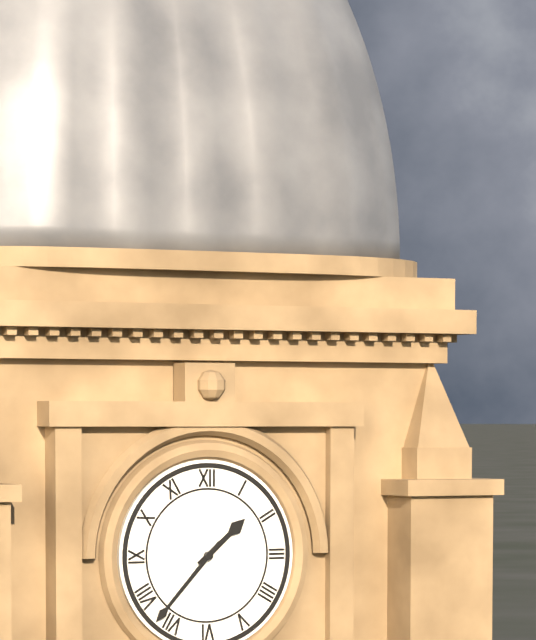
1:37
